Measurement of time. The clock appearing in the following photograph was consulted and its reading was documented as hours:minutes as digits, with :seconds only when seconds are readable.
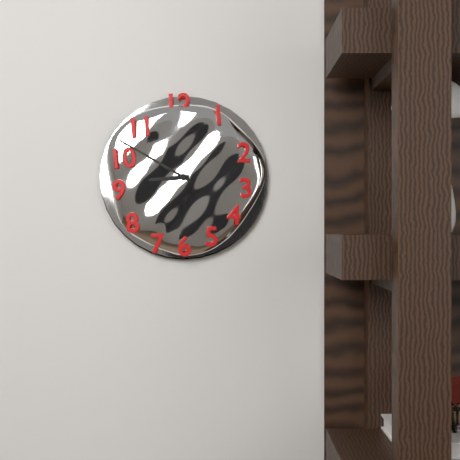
8:50
